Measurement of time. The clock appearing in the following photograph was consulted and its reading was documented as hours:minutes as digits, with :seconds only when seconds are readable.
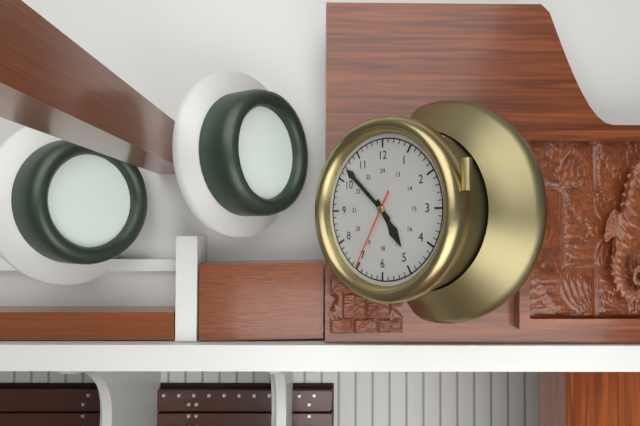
4:52:35
